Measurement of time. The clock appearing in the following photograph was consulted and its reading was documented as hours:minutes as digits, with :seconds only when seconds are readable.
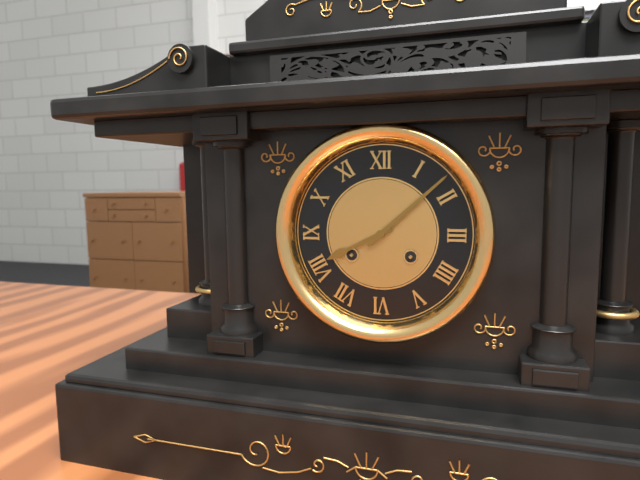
8:08
